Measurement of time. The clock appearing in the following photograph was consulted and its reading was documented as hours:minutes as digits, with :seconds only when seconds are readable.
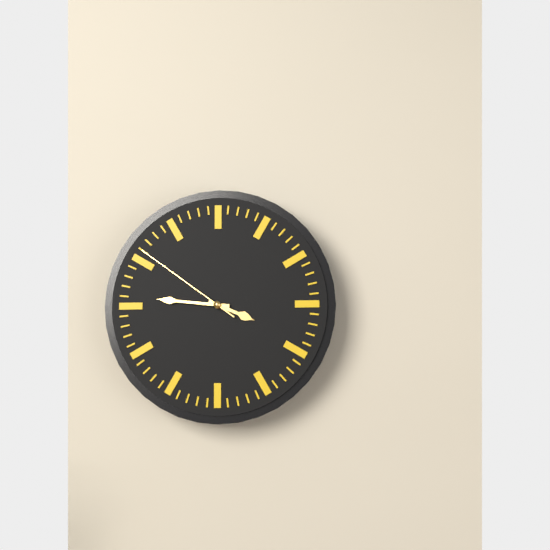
3:46:51
